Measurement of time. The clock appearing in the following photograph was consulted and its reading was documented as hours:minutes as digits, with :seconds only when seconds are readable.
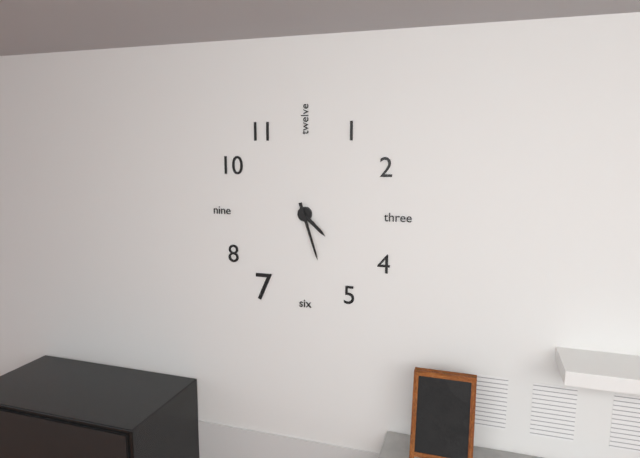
4:27
